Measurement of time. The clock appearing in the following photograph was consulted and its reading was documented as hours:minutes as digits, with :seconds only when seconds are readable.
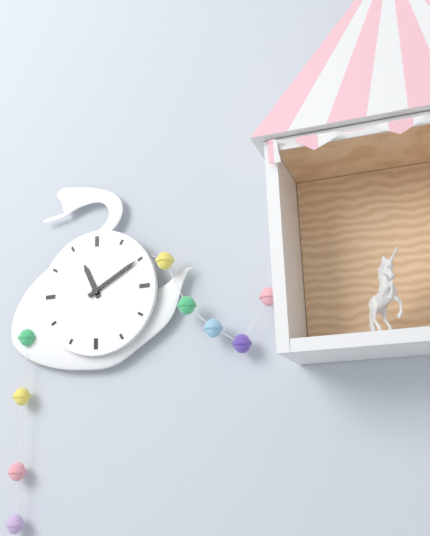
11:10
